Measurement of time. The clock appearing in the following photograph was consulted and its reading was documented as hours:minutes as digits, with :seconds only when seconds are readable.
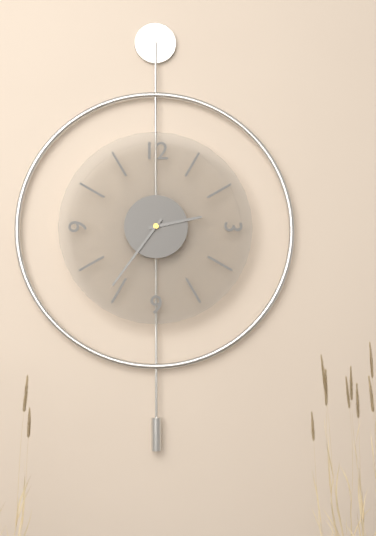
2:36
